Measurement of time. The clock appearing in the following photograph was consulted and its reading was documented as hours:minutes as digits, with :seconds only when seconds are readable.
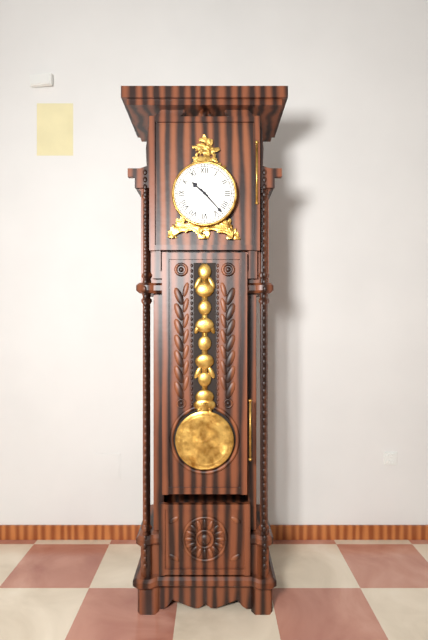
10:23
